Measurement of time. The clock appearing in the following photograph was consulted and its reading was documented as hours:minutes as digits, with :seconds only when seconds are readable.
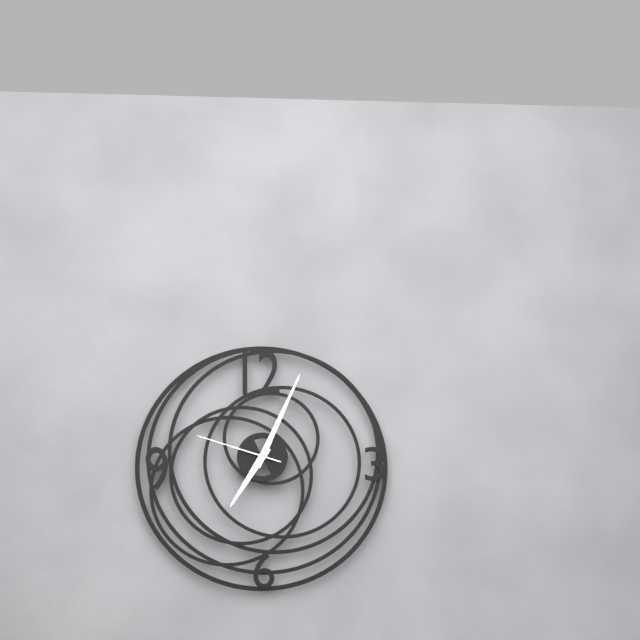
7:04:48
